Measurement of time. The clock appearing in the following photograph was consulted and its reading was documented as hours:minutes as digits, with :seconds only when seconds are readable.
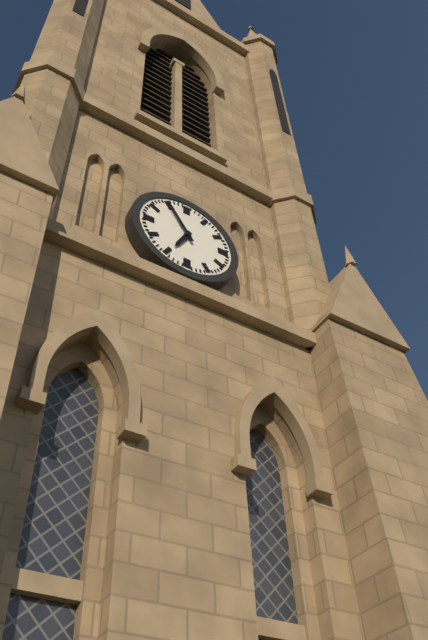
6:55
